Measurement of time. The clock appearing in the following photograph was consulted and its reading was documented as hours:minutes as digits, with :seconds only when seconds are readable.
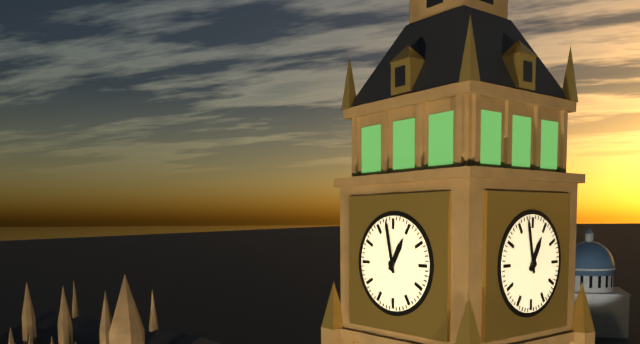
12:58
